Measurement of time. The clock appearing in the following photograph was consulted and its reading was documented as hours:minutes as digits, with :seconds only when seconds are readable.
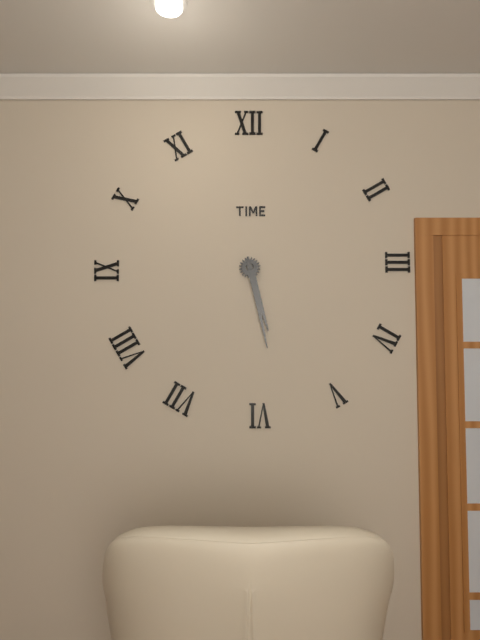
5:28
